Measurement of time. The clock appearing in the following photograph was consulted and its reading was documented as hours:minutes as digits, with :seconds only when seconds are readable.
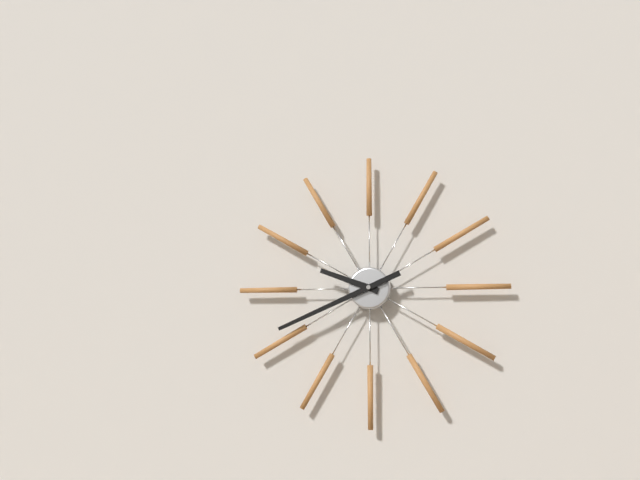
9:41
